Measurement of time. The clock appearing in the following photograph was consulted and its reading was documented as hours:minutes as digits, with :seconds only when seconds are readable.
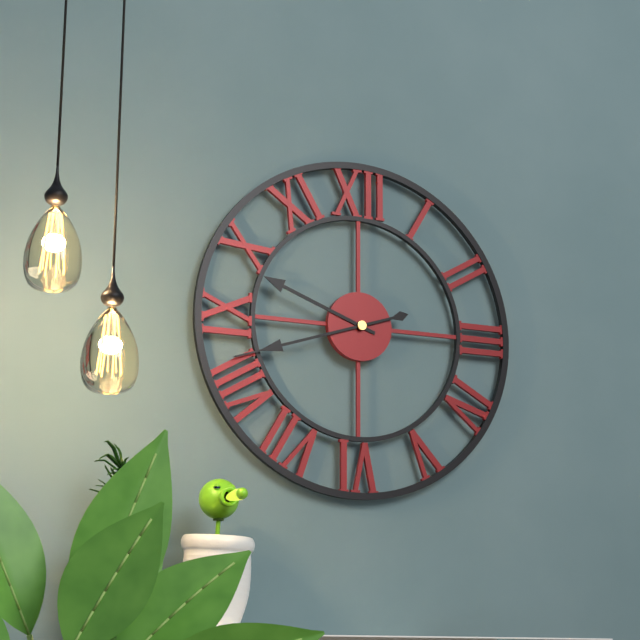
9:42
